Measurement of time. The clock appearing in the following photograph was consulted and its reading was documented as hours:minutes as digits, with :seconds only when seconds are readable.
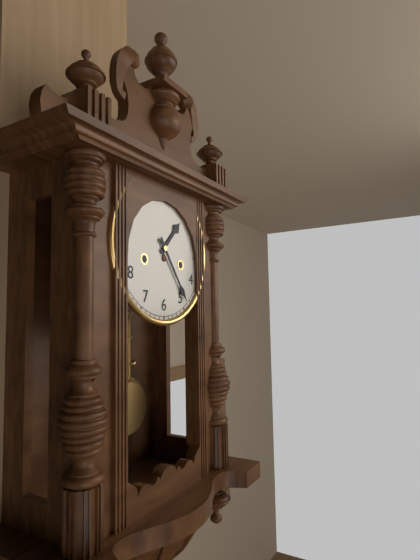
1:24
